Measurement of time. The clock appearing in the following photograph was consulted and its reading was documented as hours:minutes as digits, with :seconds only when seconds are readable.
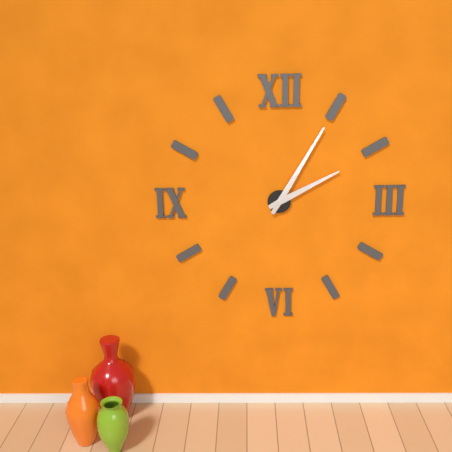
2:05
